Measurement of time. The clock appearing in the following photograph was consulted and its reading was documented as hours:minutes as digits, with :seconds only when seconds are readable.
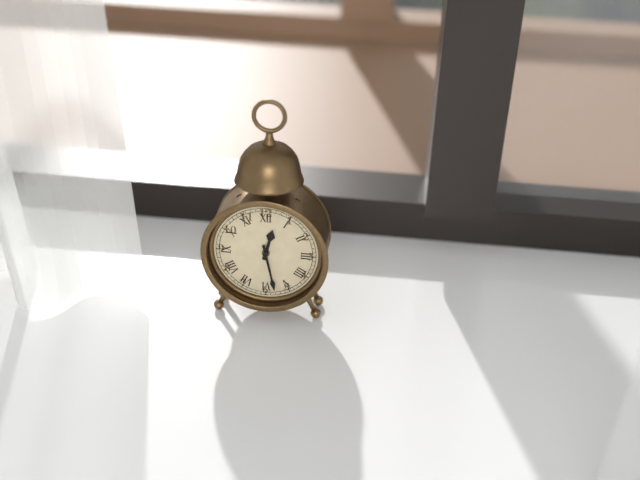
12:28
